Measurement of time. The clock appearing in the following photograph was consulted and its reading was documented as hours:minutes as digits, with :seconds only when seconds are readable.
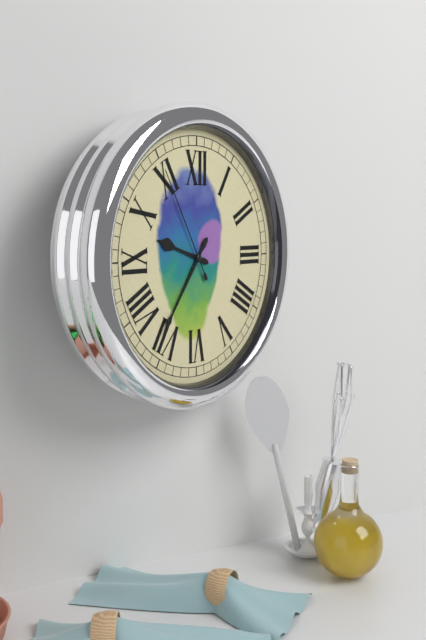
9:36:55
